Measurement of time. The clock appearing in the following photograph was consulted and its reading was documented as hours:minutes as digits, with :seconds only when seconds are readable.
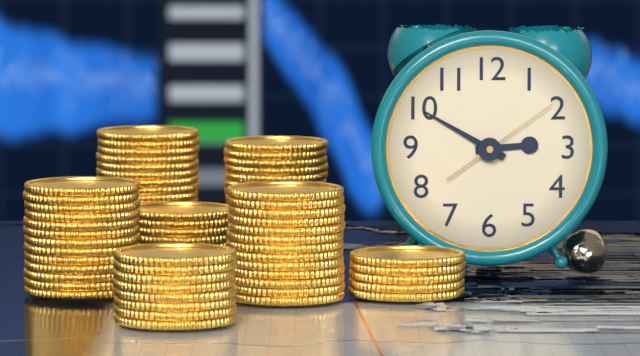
2:50:09
